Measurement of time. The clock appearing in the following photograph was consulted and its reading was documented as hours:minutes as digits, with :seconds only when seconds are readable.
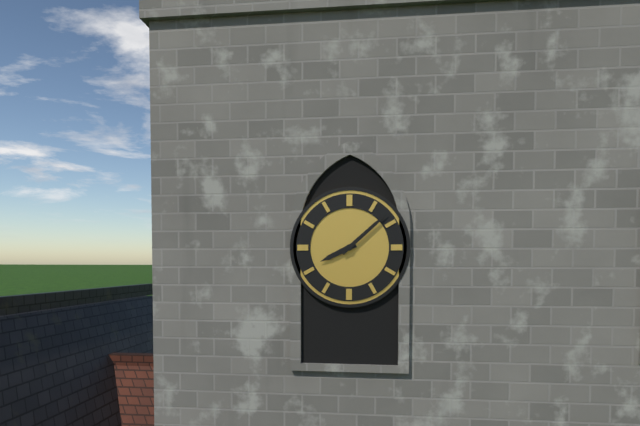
8:08
